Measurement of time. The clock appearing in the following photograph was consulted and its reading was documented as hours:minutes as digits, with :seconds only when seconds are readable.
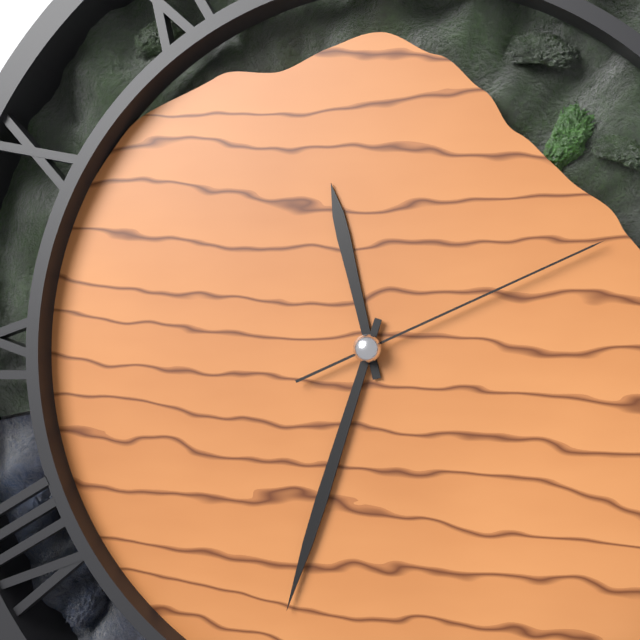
11:33:11
